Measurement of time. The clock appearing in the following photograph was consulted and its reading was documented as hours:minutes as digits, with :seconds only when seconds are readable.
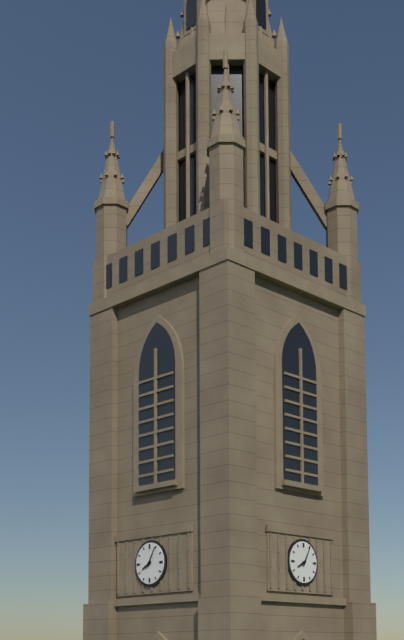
8:05
